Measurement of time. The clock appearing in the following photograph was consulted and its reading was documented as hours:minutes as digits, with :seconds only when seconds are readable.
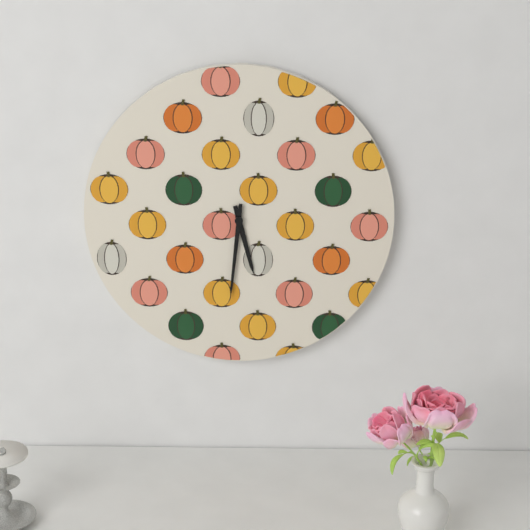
5:31
